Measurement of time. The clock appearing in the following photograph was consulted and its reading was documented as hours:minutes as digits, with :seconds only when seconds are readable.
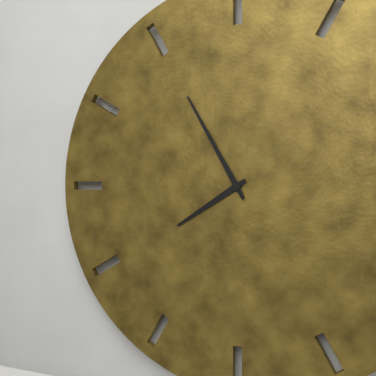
7:55
